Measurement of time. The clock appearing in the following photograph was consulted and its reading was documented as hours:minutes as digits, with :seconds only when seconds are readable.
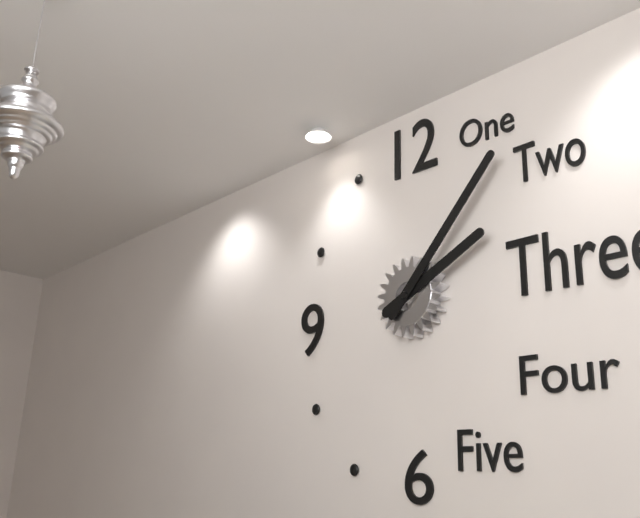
2:07
